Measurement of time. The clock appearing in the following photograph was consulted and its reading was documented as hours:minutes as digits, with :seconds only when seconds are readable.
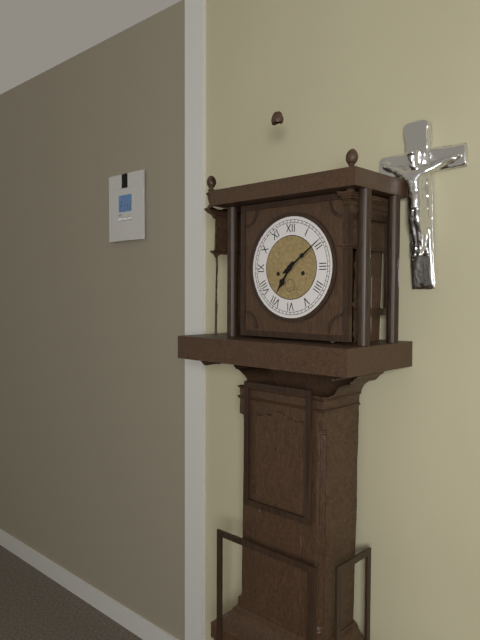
7:09
